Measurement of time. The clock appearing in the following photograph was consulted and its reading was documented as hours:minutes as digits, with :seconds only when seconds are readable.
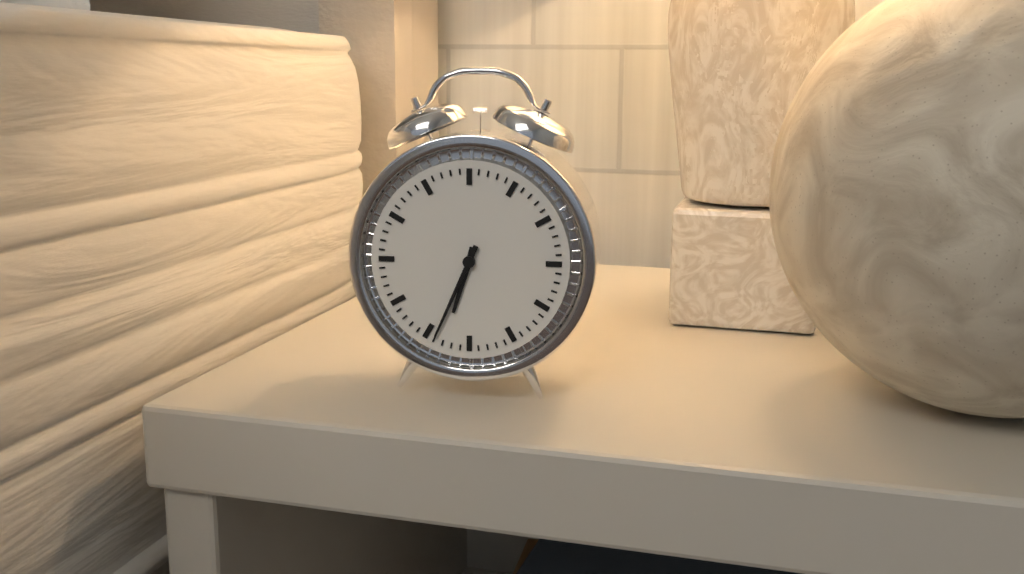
6:34
